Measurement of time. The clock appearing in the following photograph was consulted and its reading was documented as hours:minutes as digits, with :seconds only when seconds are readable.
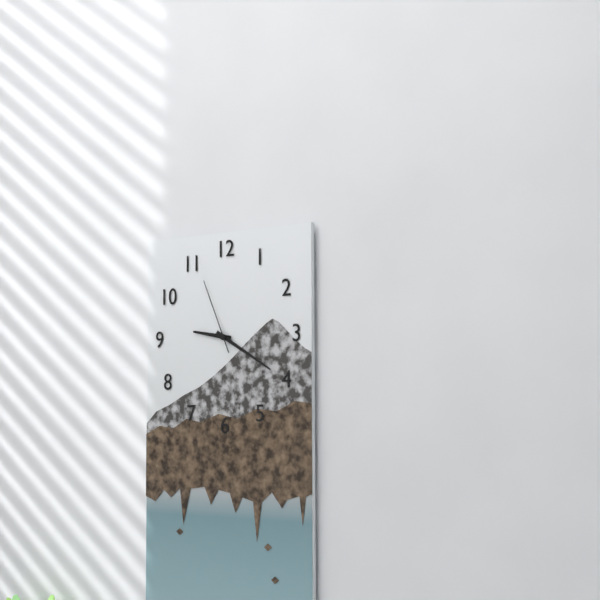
9:20:56
